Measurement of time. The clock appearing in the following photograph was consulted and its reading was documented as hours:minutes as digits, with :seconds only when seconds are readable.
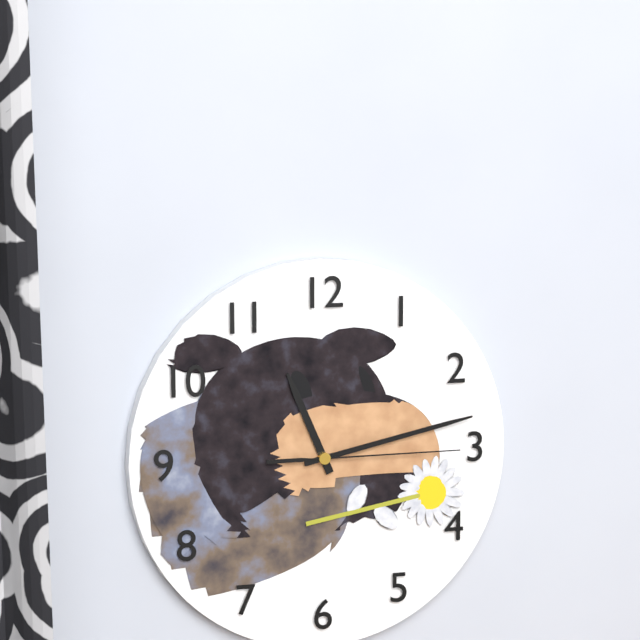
11:13:15
